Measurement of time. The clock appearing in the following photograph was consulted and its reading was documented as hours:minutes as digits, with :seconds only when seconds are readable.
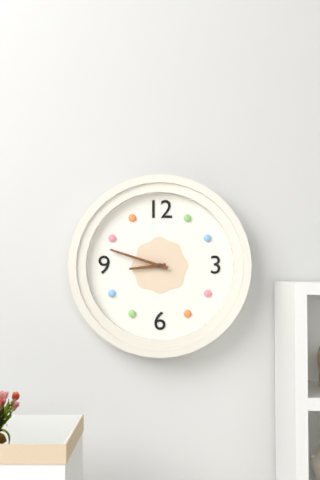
8:48
